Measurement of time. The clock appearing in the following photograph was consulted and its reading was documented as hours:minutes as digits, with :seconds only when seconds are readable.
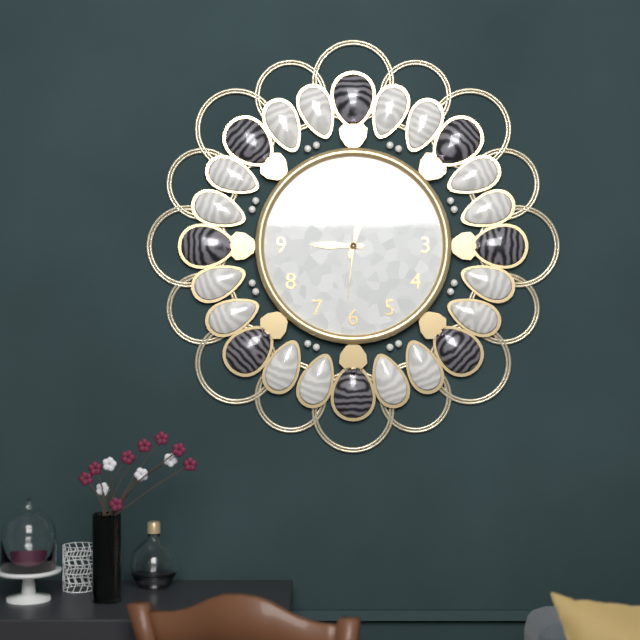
9:03:31
